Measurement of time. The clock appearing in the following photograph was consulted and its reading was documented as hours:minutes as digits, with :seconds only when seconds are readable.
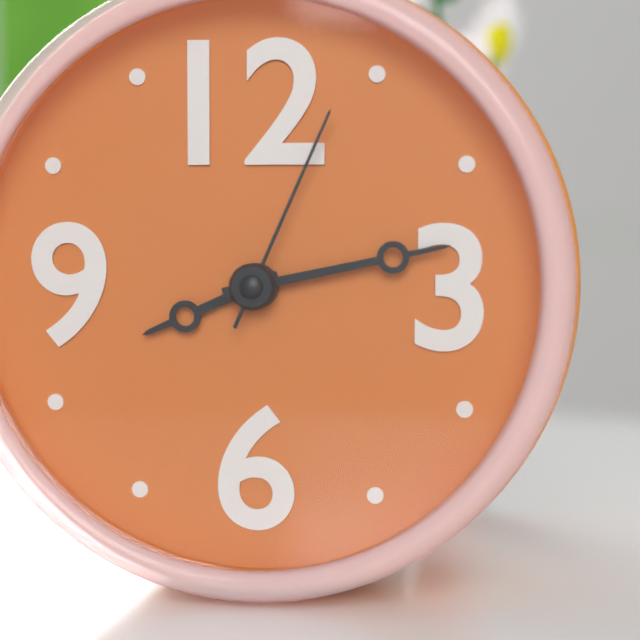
8:13:04
